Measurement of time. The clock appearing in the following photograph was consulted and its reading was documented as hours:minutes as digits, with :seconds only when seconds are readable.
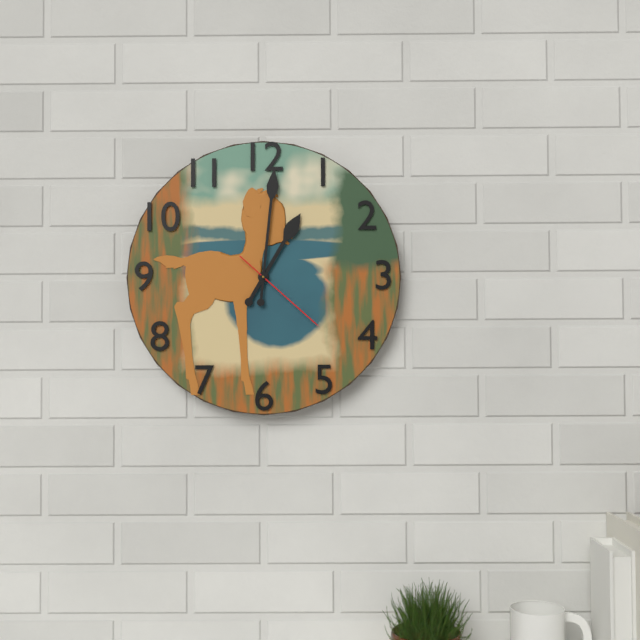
1:01:22
